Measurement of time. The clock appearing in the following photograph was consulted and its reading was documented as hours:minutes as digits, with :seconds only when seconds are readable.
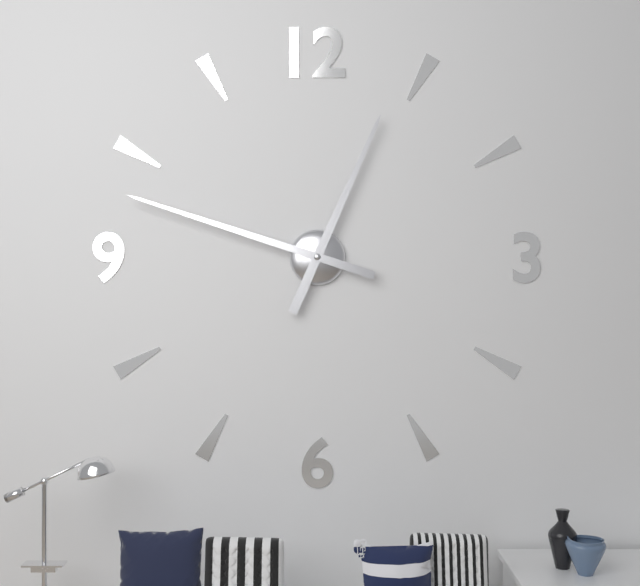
12:48
